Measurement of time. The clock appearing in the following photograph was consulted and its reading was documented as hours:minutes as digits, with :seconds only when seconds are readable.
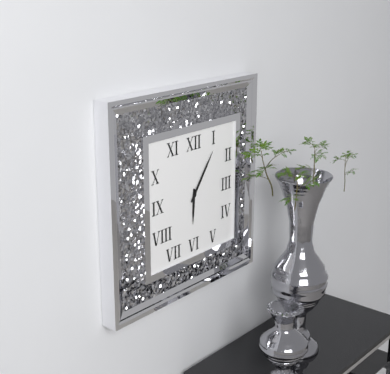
6:06
